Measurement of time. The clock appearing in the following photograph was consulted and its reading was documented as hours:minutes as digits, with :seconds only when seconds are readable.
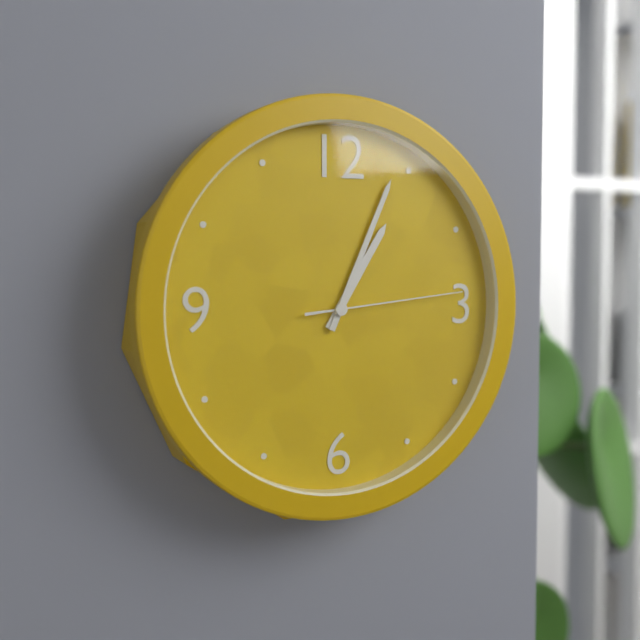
1:04:14
